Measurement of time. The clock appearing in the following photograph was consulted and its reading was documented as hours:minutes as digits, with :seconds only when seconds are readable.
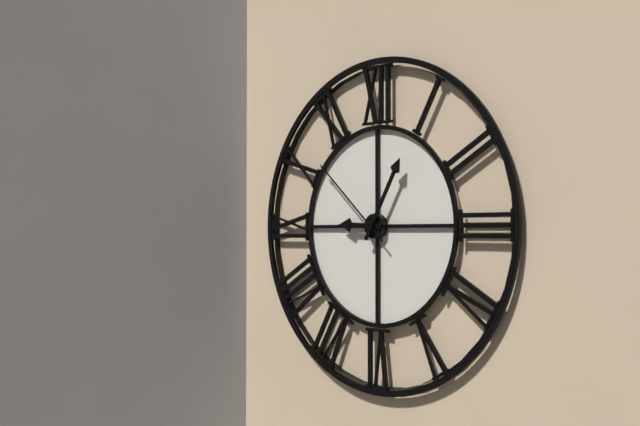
9:05:52
